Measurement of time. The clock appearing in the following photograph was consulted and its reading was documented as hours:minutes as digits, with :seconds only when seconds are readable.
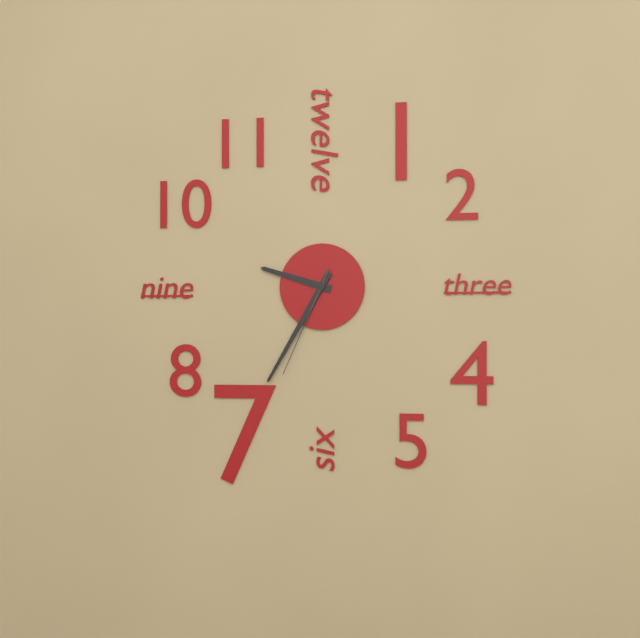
9:35:34
